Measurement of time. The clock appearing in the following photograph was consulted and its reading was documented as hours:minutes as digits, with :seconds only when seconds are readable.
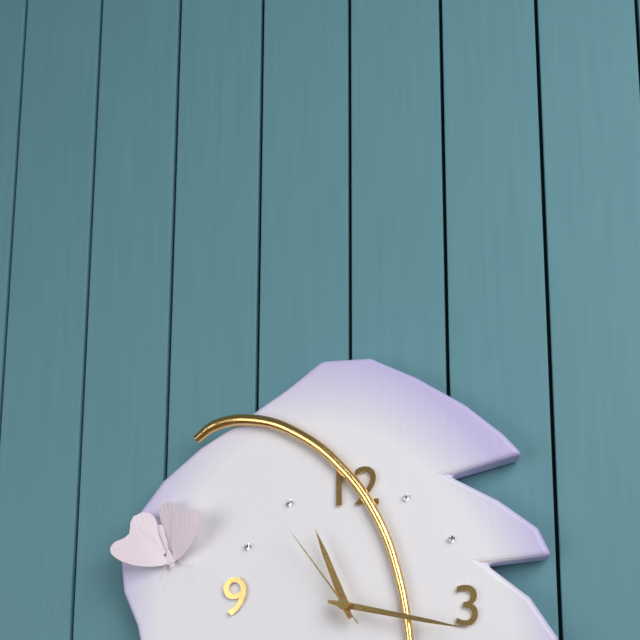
11:17:54
